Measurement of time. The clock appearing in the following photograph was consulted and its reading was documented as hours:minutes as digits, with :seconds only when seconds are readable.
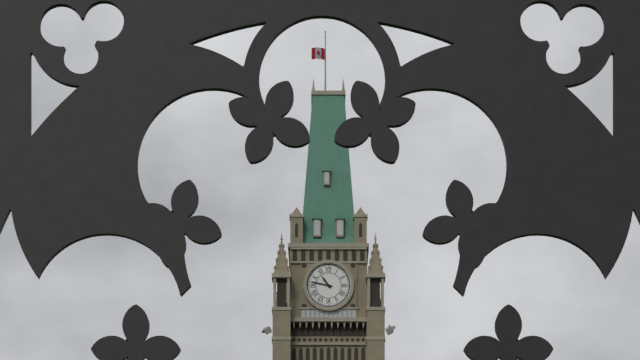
10:47
